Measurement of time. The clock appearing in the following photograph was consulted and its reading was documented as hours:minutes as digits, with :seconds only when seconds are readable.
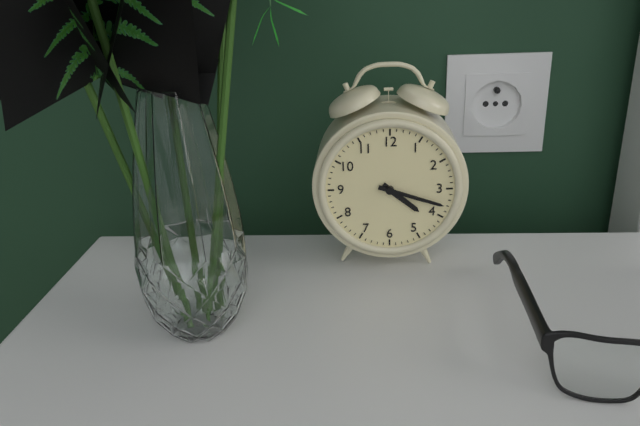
4:18
